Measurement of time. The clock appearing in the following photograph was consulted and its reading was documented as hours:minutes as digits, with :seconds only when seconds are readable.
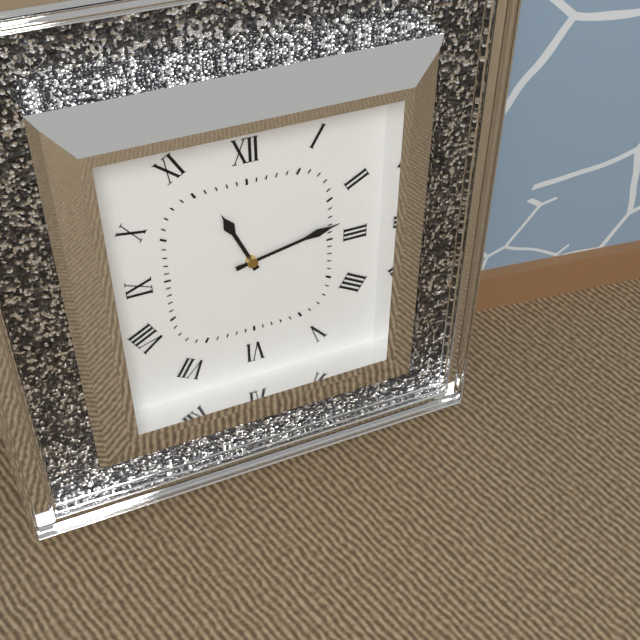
11:13
